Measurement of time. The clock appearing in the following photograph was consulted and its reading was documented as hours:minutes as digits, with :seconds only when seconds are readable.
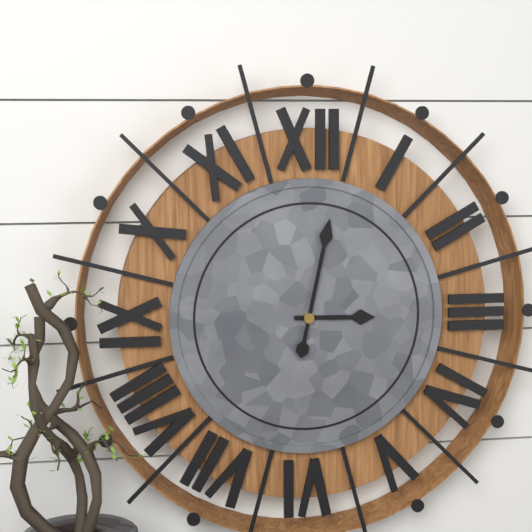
3:02
